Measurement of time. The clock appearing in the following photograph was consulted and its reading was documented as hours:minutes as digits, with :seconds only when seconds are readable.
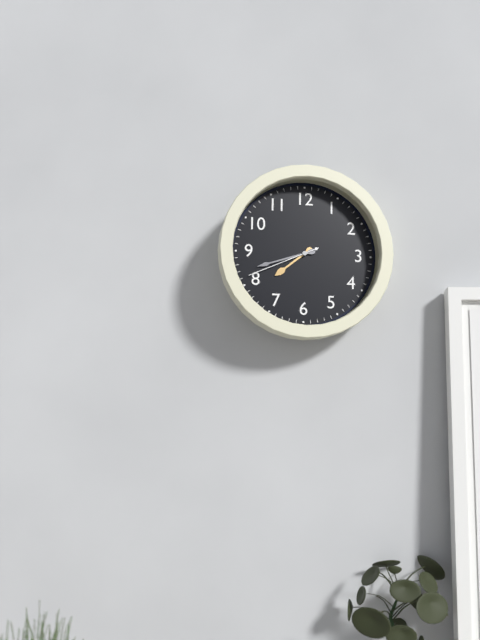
7:42:41
